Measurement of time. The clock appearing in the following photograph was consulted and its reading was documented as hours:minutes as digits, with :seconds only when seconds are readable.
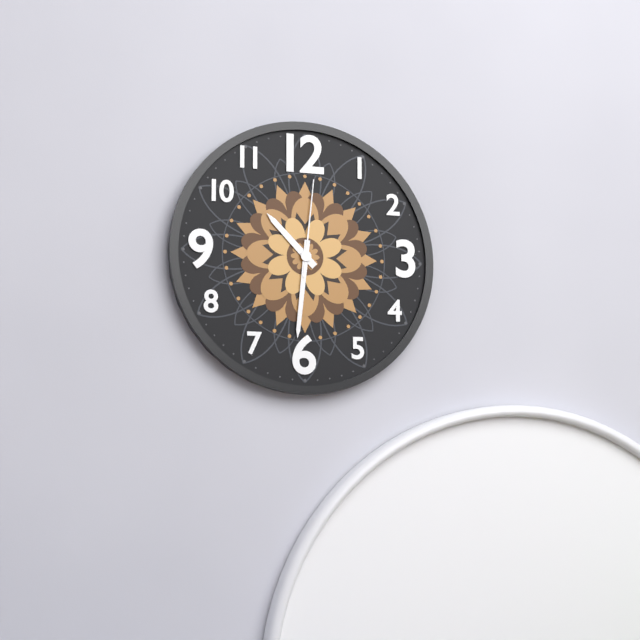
10:31:01
